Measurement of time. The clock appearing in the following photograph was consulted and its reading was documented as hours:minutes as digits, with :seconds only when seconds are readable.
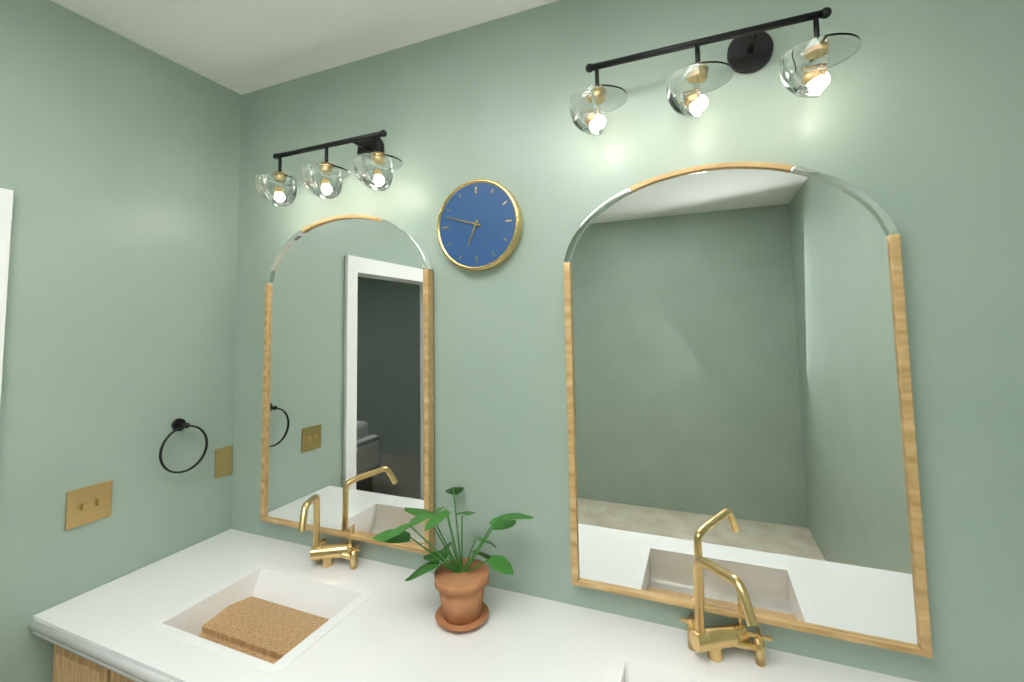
6:48
